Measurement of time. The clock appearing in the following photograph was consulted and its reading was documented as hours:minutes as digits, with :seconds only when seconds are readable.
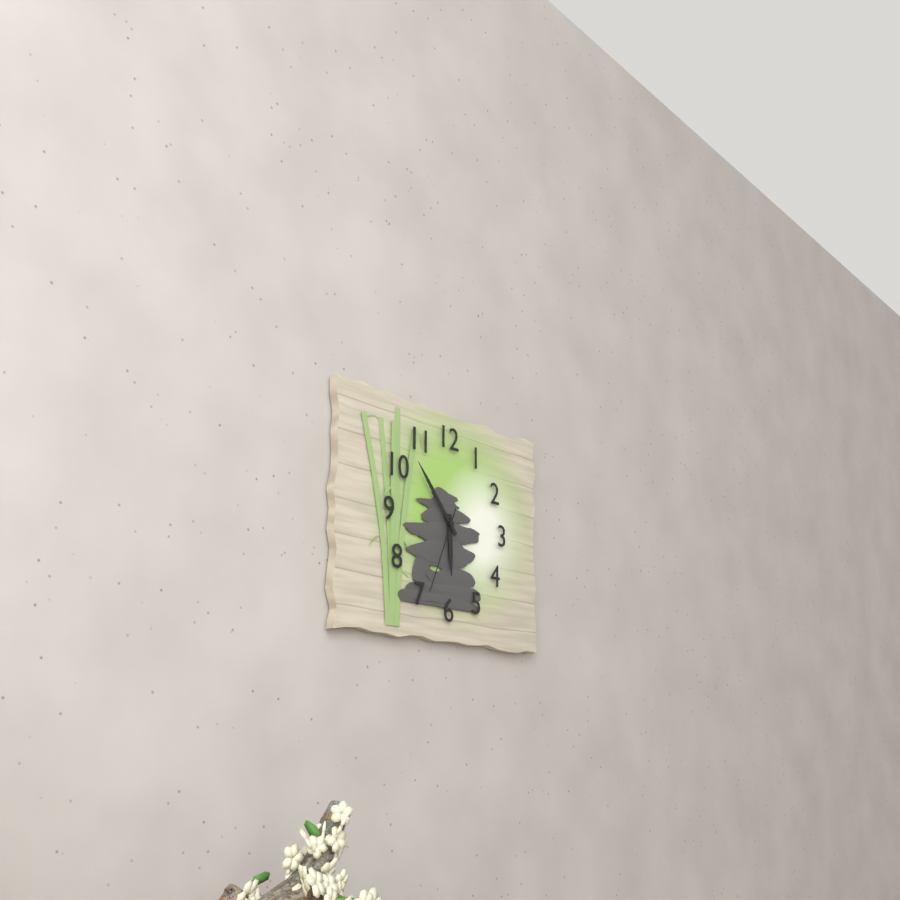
5:53:34
